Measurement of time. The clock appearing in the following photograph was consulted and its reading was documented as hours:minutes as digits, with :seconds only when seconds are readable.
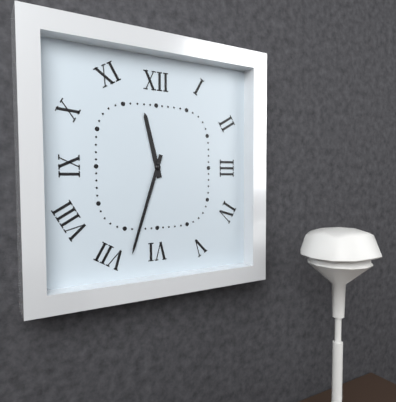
11:33
